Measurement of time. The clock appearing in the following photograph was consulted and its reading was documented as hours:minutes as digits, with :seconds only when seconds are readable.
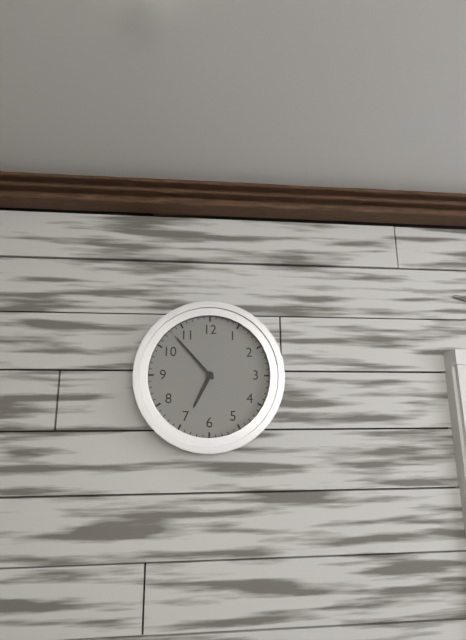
6:53
